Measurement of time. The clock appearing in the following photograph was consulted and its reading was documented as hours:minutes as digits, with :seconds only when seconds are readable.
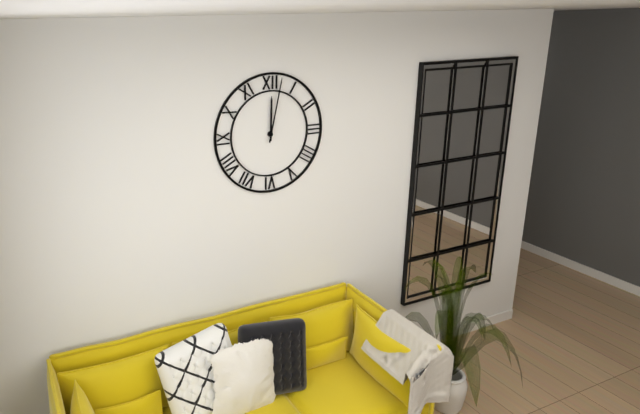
12:02
